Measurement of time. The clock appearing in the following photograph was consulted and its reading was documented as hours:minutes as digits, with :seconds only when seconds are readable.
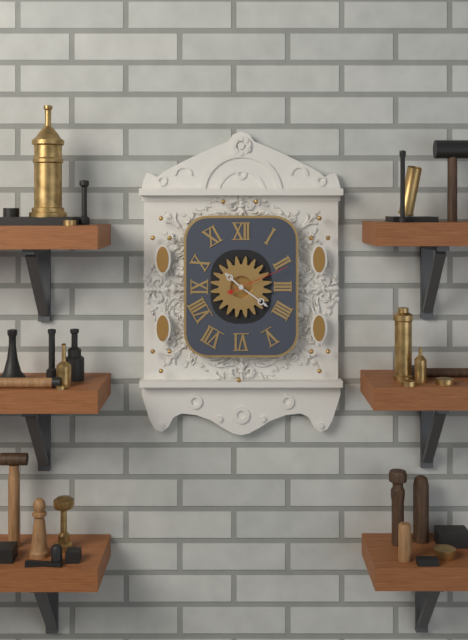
10:21:11
